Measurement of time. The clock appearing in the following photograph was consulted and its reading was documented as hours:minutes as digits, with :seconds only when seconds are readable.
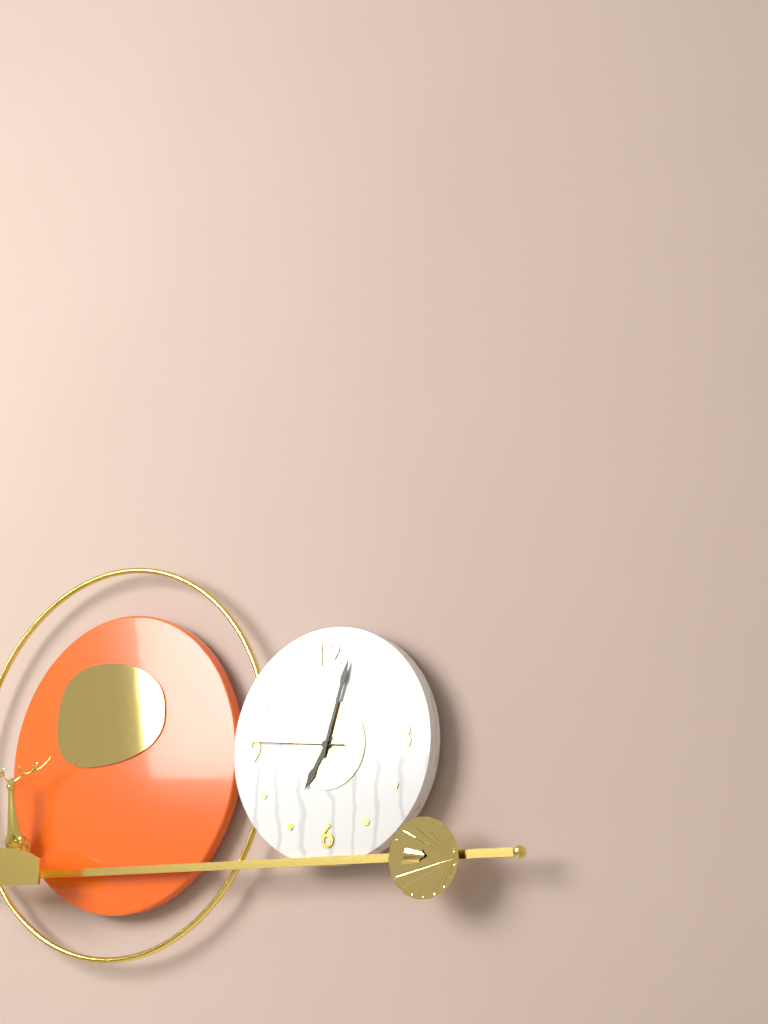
7:03:46
